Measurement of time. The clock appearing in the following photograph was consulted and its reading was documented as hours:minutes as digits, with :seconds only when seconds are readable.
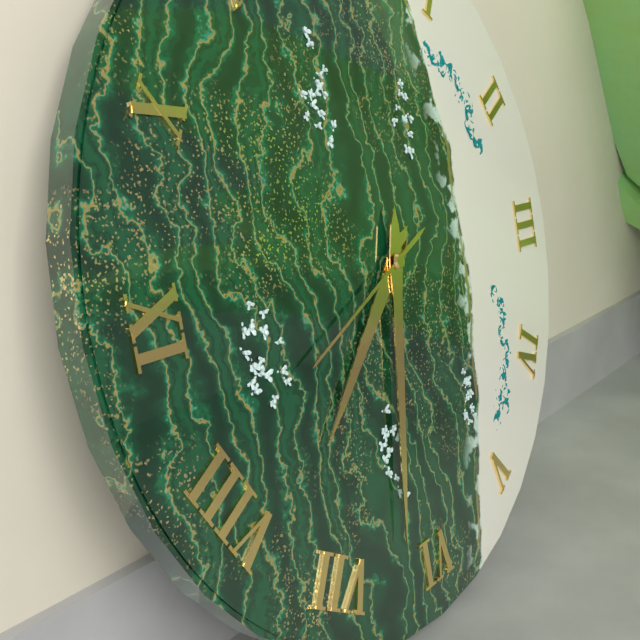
7:32:41
